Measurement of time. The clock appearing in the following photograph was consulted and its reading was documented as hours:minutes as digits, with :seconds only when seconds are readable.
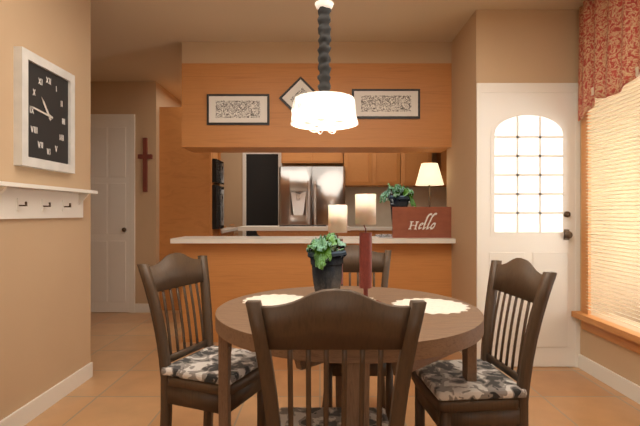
10:46
